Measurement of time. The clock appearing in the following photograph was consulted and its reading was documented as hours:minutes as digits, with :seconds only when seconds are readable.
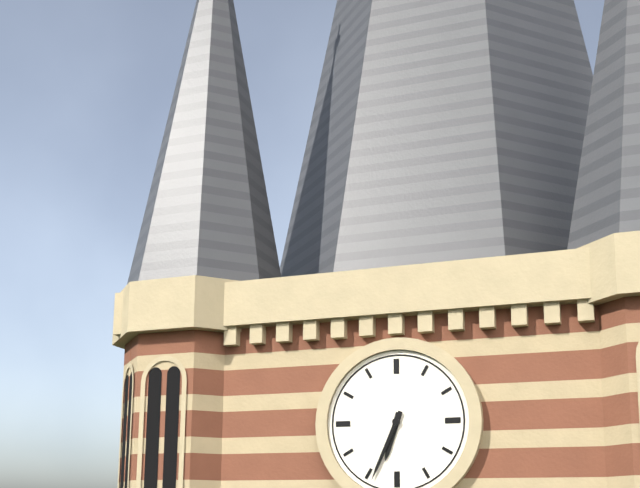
6:34
